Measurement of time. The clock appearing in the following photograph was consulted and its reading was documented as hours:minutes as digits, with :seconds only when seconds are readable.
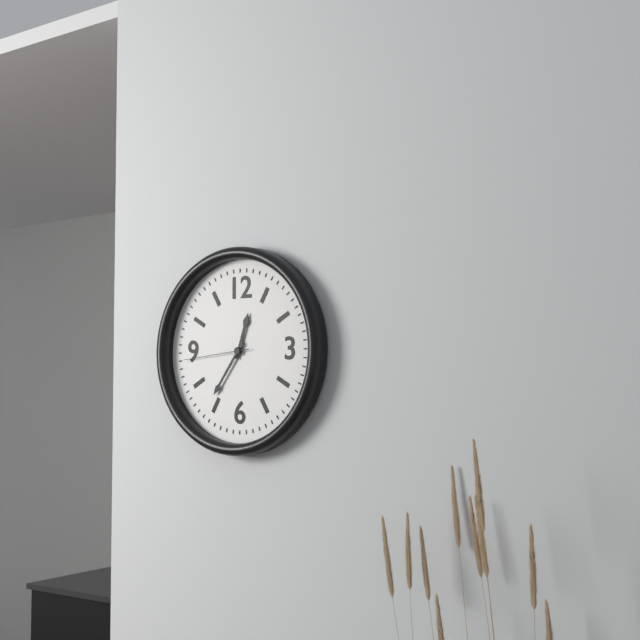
12:36:44
